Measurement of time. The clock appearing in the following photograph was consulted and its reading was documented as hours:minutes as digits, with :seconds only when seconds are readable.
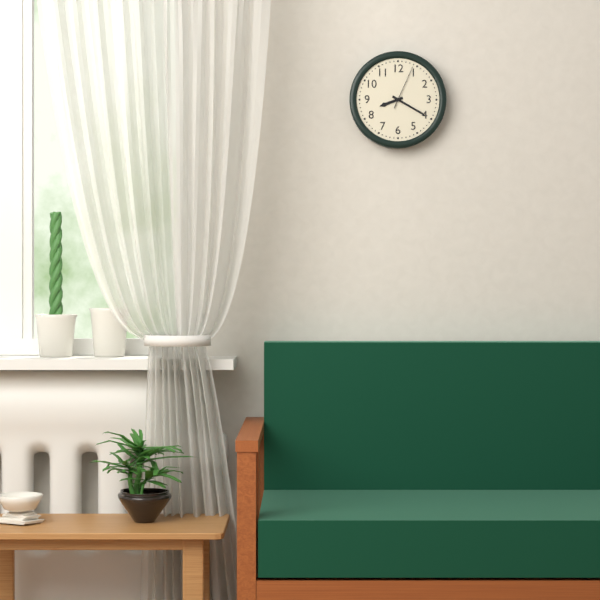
8:20
